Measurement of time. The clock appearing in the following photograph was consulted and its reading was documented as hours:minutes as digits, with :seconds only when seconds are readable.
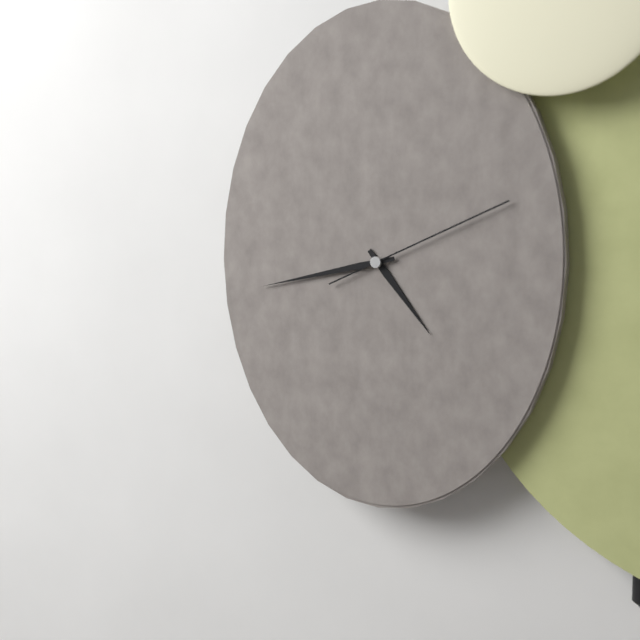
4:43:11
